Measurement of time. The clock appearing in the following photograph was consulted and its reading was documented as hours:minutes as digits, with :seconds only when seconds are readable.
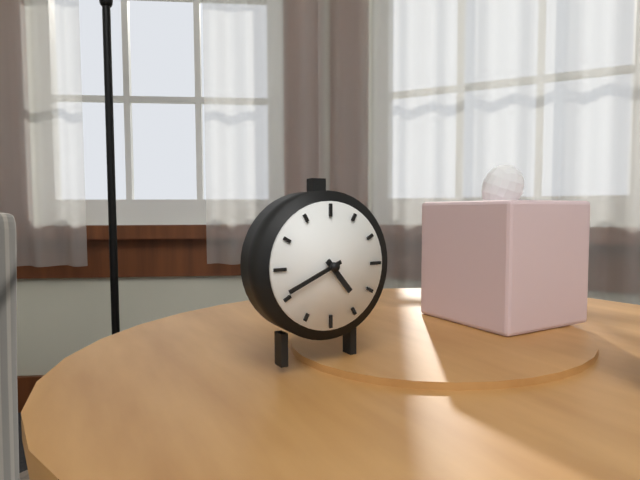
4:41
